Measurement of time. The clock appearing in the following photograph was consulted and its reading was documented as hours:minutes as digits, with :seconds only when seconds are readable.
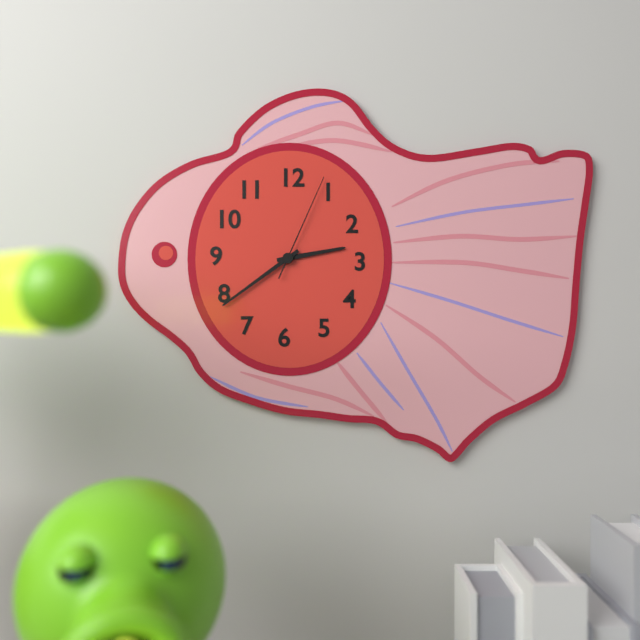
2:39:04
